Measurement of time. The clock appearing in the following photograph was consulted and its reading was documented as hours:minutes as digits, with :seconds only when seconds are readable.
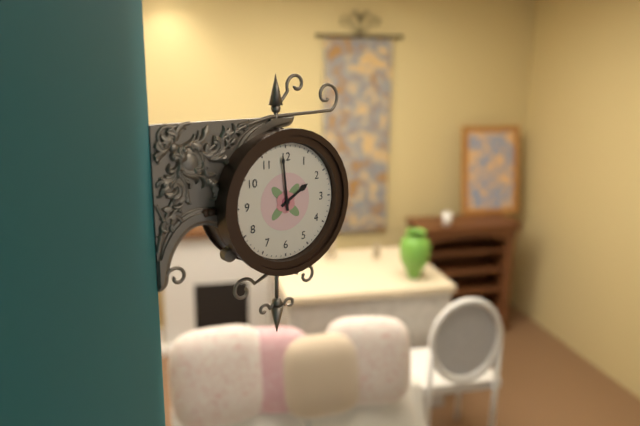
1:59
